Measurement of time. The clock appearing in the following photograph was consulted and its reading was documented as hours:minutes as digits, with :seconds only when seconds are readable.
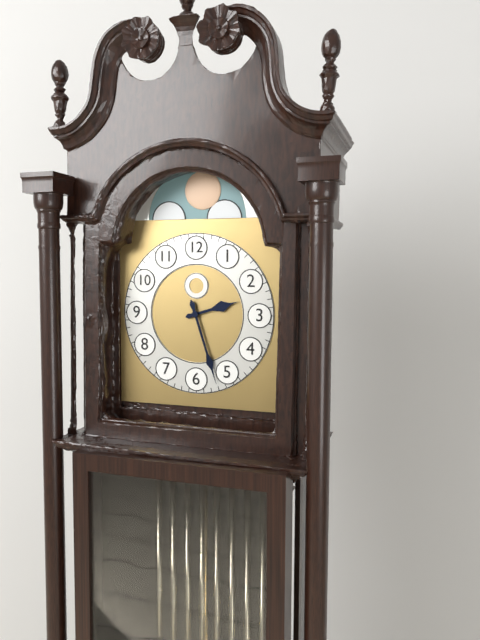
2:27
